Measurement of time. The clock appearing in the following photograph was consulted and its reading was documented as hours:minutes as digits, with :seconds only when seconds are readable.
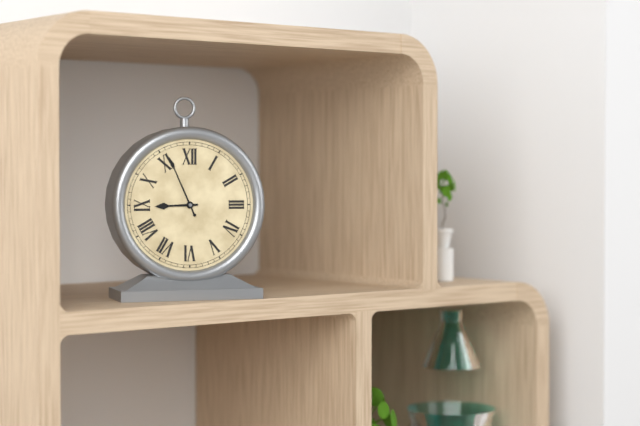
8:56
